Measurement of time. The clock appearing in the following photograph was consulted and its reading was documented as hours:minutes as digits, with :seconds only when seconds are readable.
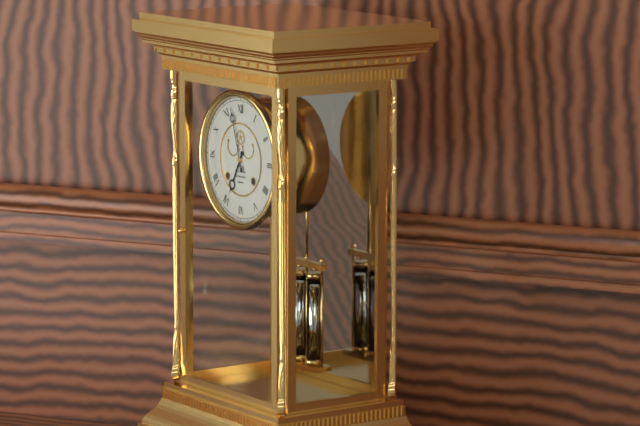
6:57
